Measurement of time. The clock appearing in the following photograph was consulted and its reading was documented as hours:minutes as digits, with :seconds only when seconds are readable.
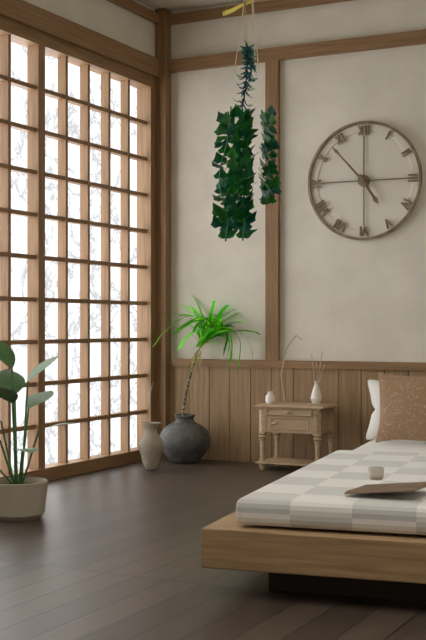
4:53
